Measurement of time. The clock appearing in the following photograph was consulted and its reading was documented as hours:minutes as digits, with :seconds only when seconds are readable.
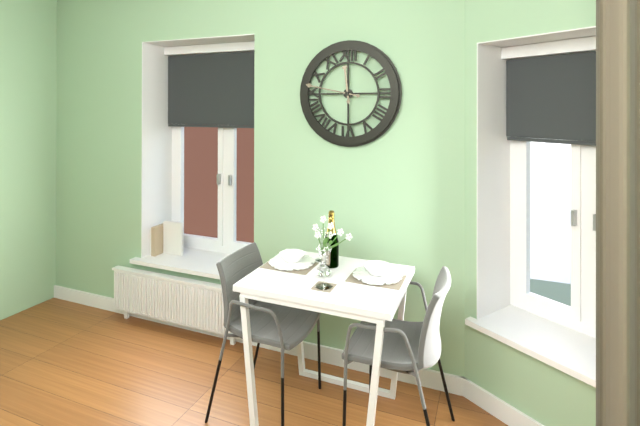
11:47
